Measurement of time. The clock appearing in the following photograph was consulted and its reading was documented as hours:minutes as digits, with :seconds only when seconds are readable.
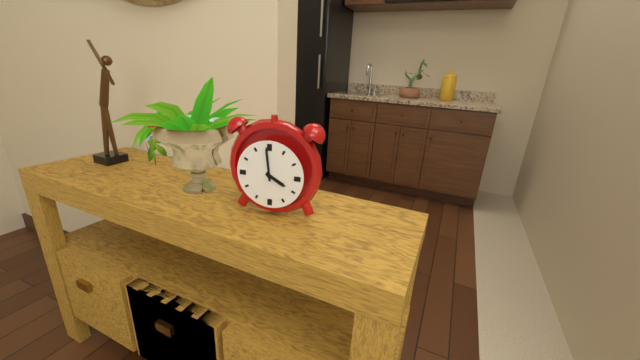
3:59
